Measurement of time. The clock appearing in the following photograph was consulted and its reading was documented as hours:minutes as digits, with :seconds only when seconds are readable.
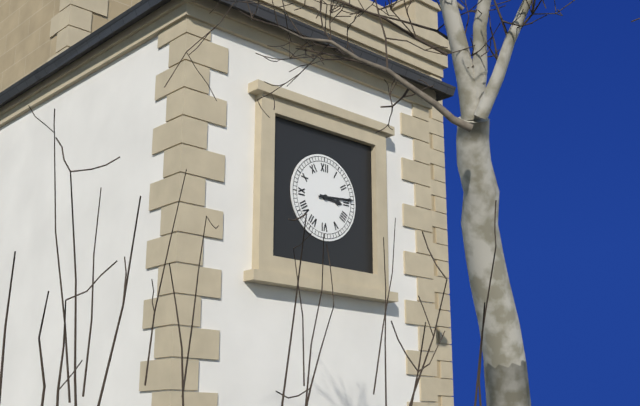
3:14
